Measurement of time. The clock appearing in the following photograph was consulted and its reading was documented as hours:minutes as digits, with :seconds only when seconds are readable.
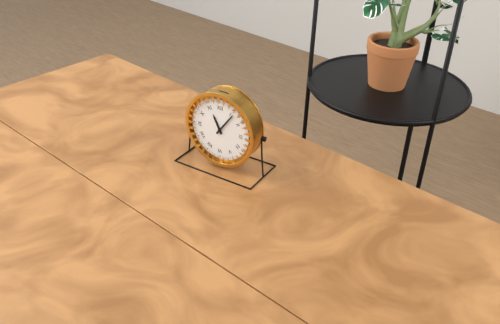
11:06
